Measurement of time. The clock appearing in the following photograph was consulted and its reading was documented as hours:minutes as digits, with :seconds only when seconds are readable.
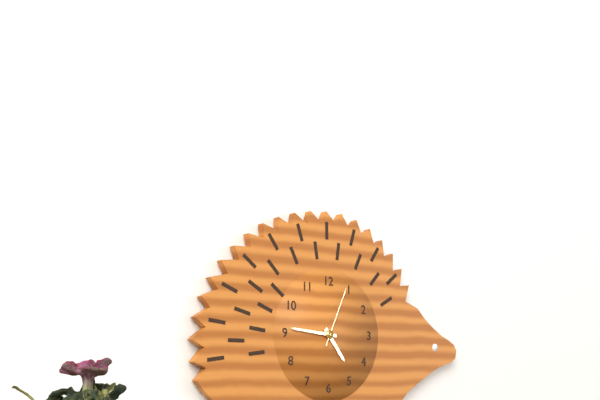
4:46:04
